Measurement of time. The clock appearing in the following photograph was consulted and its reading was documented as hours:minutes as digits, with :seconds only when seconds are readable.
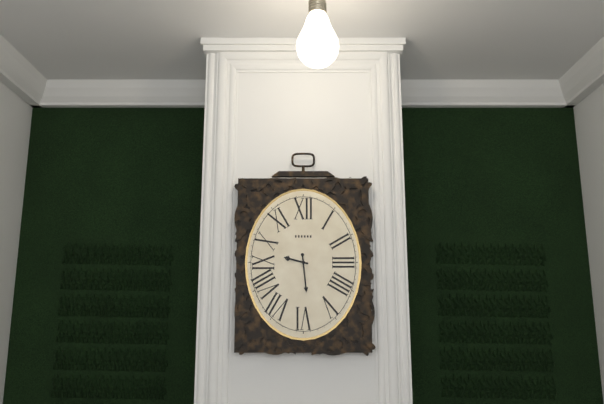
9:29
